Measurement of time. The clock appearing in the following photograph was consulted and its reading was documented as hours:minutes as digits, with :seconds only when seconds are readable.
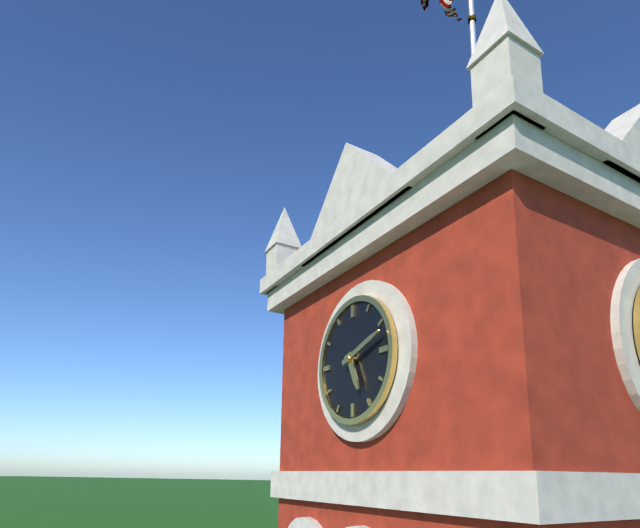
5:12
